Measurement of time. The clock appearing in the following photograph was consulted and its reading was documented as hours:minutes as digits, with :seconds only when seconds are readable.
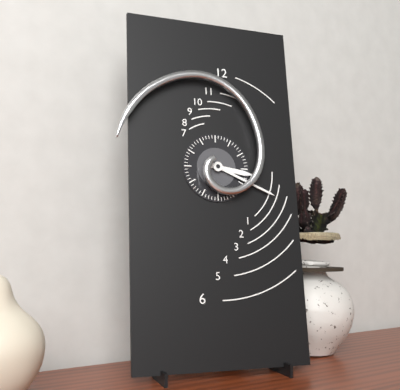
3:19
